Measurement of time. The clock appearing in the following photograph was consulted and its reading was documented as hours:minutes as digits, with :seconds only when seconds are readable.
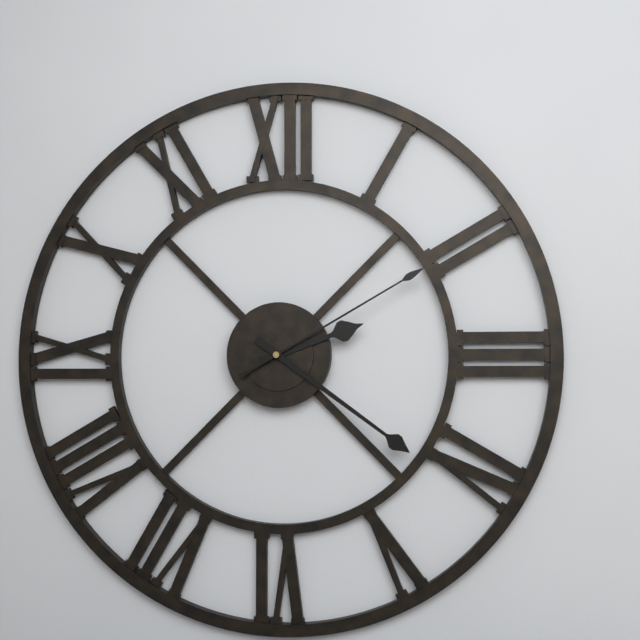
2:21:10
